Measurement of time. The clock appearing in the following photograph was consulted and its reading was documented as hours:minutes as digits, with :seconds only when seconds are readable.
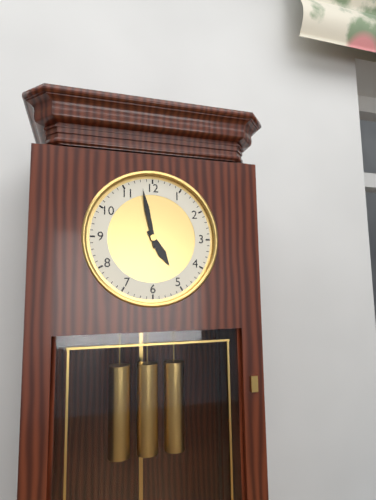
4:58
